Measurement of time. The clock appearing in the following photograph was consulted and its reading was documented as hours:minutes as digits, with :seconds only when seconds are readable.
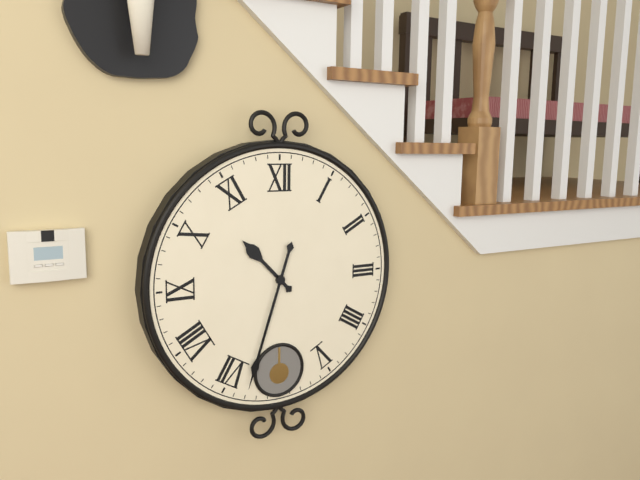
10:33
